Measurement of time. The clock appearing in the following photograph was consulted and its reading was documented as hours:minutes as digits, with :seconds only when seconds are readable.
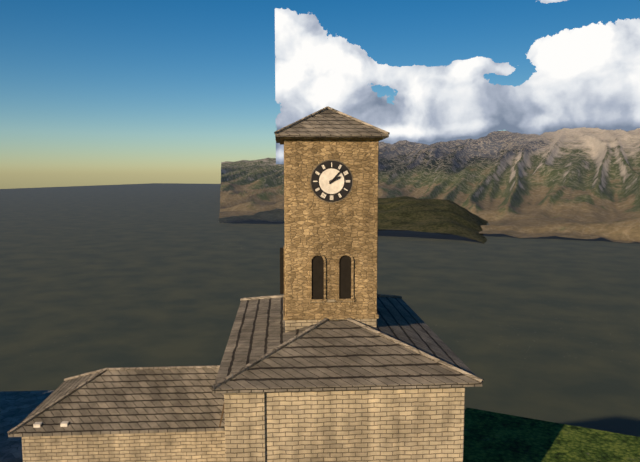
2:07
